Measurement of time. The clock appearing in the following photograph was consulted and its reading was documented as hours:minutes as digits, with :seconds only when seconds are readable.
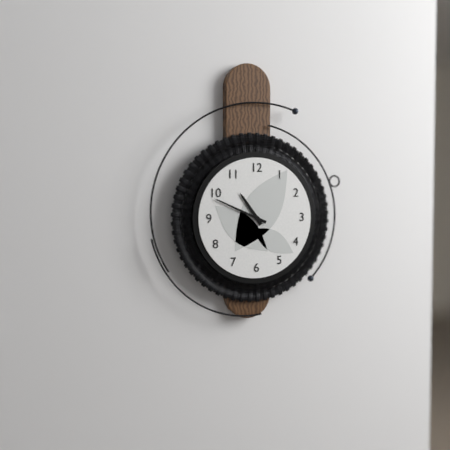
10:49
